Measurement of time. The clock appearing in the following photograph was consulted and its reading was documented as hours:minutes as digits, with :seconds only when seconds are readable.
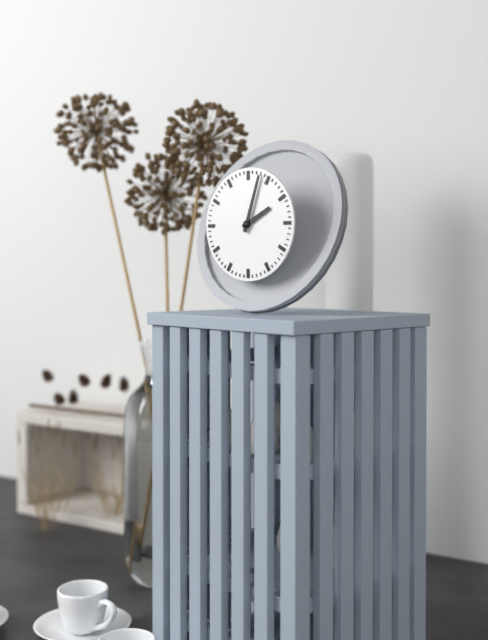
2:03
